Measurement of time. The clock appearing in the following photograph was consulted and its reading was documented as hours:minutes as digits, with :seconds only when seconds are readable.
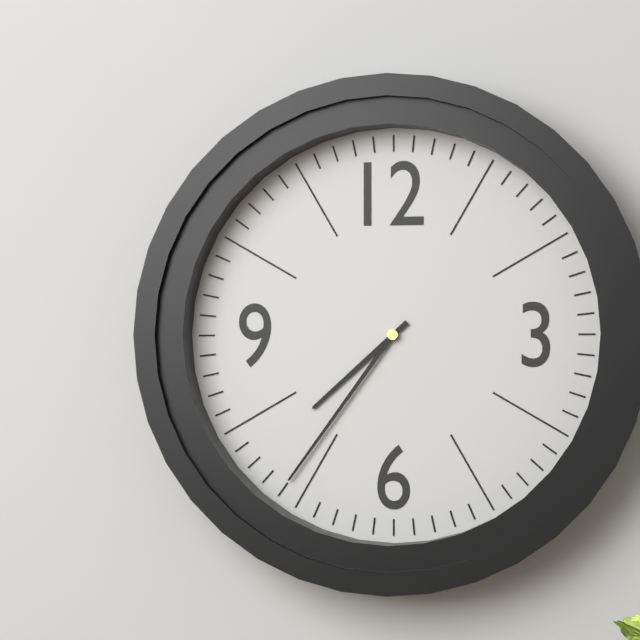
7:36
